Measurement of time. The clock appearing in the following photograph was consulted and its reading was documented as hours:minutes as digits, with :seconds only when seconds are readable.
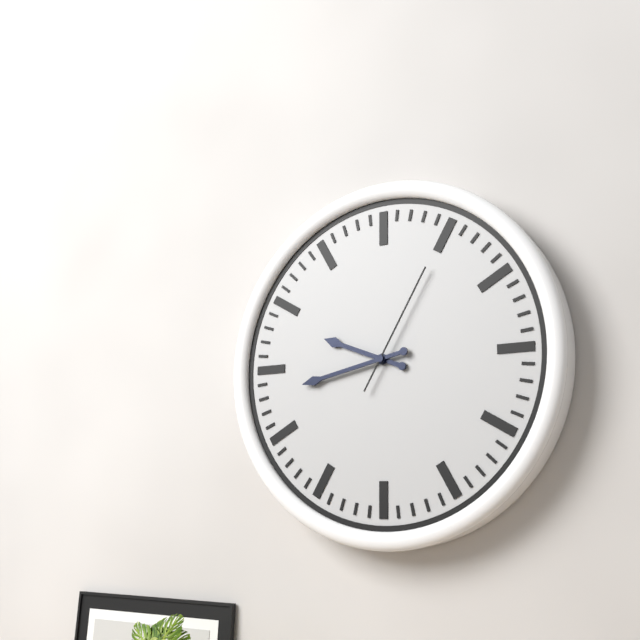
9:43:05
